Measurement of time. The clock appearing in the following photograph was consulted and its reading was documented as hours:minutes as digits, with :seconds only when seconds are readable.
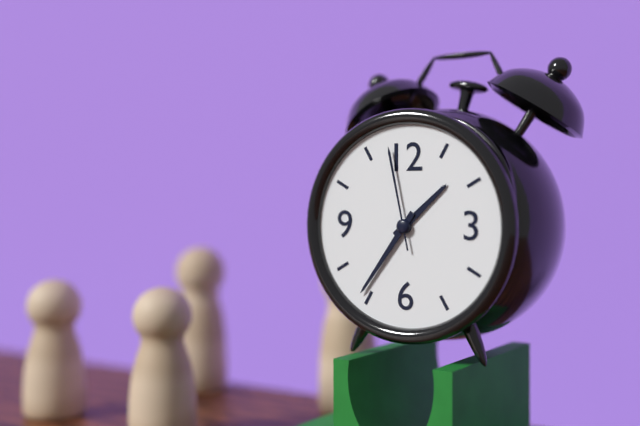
1:36:58
